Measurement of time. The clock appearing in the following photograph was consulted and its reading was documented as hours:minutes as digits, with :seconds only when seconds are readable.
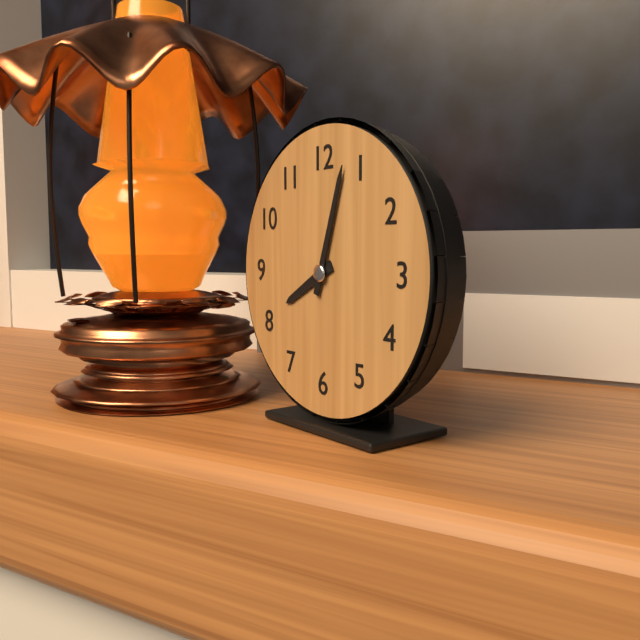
8:03
